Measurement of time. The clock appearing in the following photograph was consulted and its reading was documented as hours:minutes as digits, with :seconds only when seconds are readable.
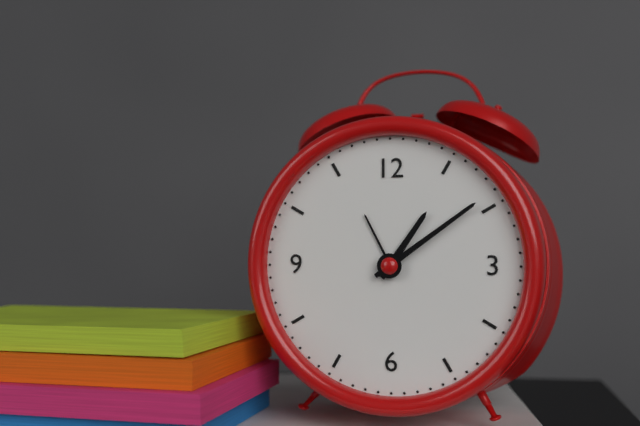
1:09
